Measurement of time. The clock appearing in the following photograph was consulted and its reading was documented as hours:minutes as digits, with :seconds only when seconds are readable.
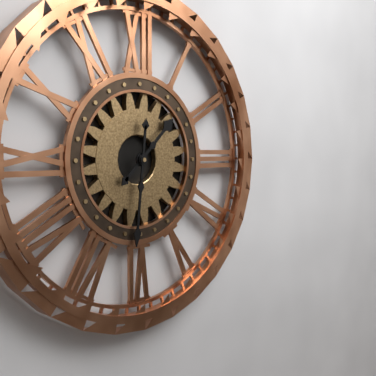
1:31
